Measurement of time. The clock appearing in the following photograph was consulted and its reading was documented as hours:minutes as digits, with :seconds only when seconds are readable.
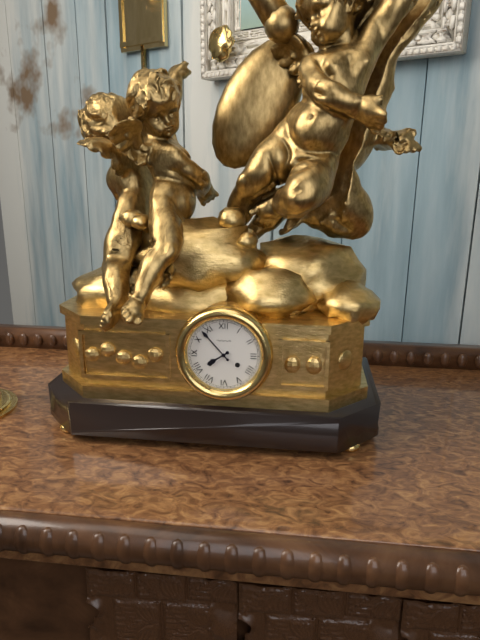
7:53
